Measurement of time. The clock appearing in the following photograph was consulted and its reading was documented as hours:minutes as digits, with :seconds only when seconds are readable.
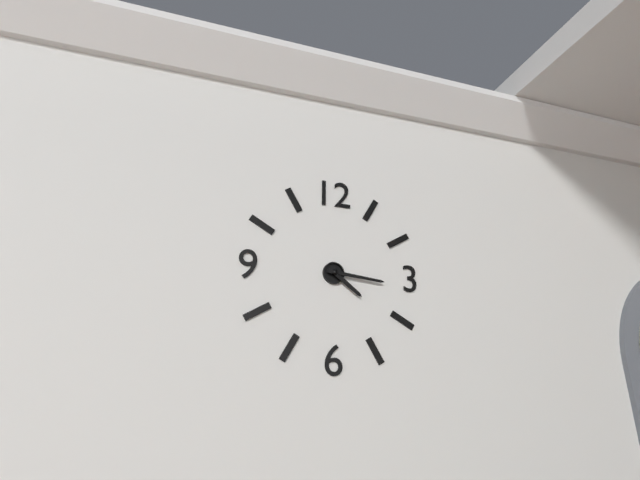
4:16
